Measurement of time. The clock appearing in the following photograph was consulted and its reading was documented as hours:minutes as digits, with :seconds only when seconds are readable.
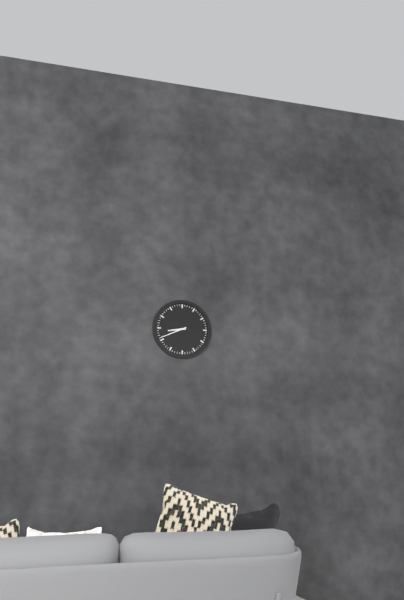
8:41
